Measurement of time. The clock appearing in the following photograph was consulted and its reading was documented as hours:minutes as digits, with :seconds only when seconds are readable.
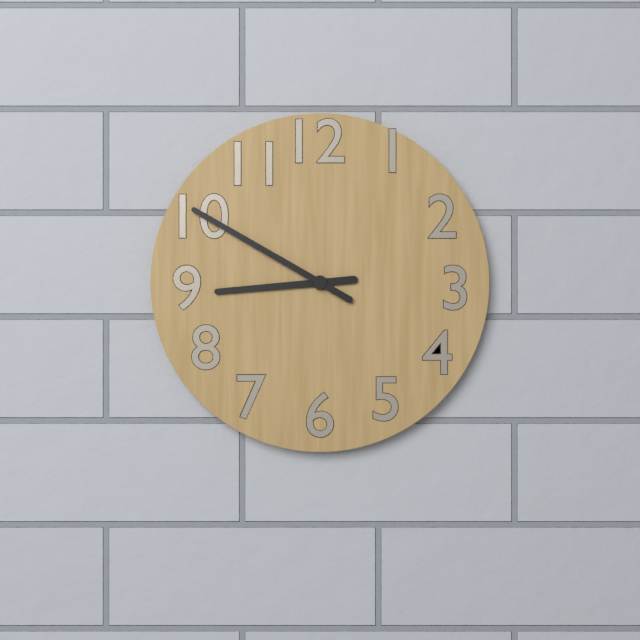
8:50
